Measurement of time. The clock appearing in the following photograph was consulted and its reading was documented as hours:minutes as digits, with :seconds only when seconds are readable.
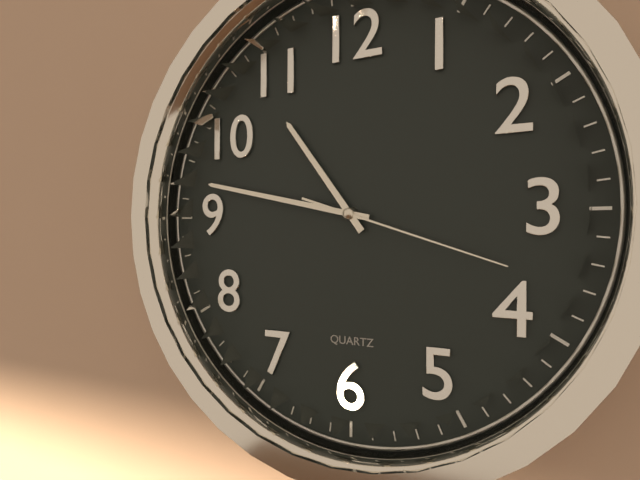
10:47:18
